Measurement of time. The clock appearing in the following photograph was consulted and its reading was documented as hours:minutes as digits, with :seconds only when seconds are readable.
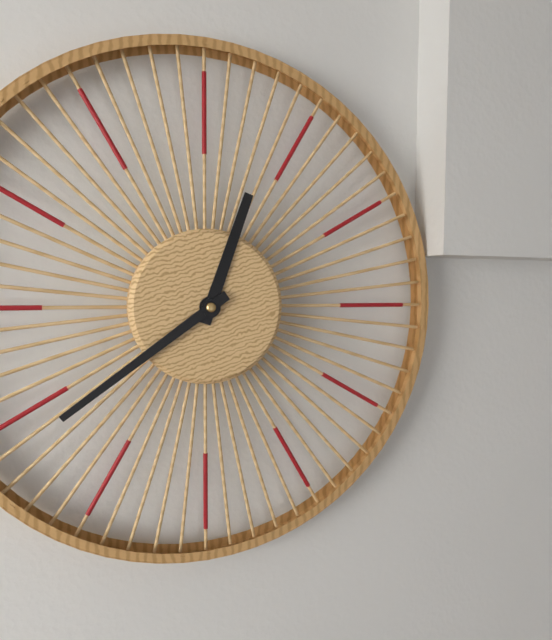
12:39
